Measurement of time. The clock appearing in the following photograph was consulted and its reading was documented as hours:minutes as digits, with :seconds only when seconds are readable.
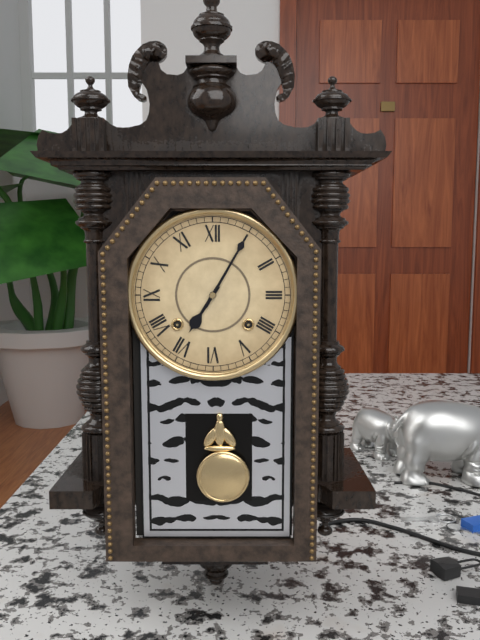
7:05
